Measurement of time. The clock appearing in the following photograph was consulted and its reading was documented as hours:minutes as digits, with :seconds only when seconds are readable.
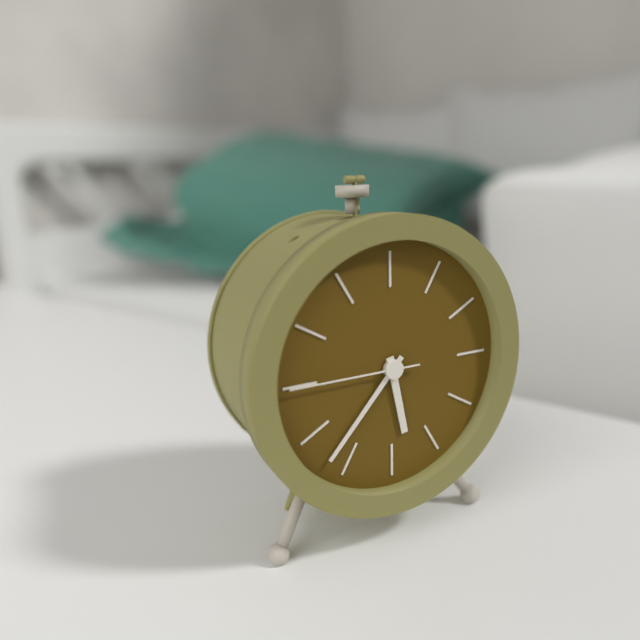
5:37:45
